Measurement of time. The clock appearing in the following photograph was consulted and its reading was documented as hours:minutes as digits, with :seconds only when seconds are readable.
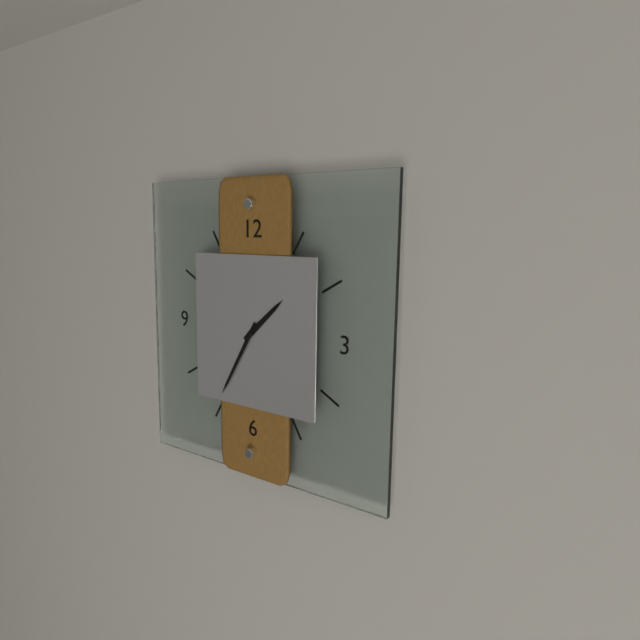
1:35
